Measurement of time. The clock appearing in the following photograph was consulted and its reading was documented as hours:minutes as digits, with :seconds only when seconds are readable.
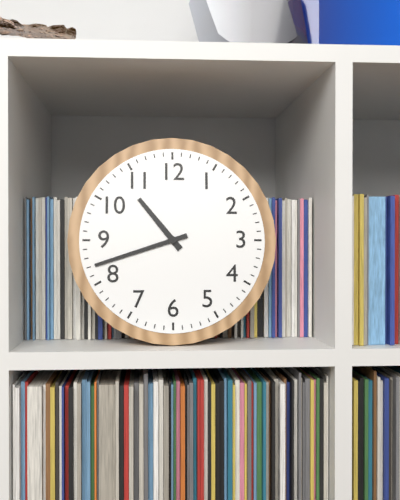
10:42
